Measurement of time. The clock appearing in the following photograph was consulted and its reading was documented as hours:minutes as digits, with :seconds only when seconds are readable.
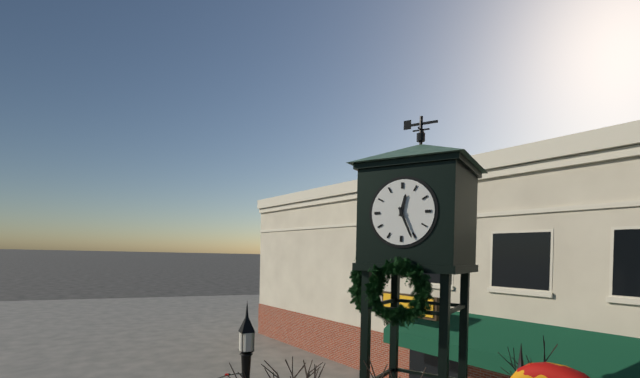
12:26
